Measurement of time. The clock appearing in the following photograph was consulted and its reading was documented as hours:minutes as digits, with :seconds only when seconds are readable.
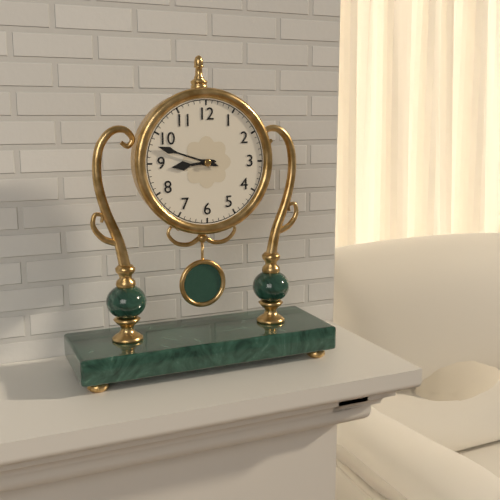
8:48
